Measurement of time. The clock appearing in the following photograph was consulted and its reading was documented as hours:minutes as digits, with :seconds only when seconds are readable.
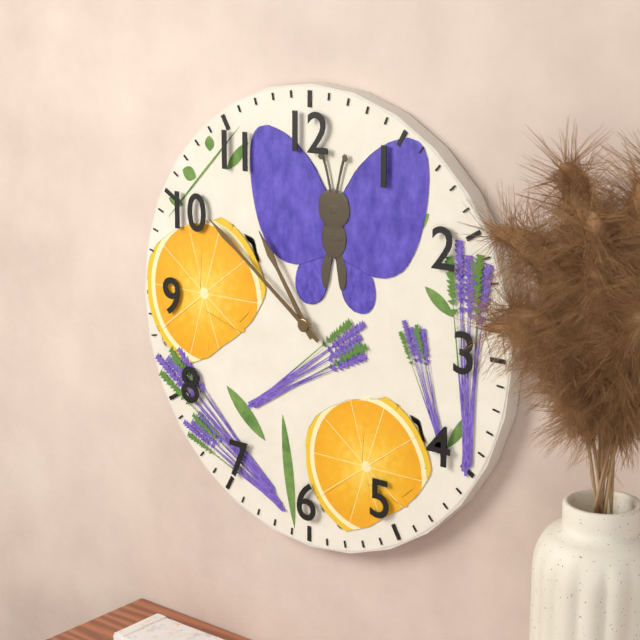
10:51
